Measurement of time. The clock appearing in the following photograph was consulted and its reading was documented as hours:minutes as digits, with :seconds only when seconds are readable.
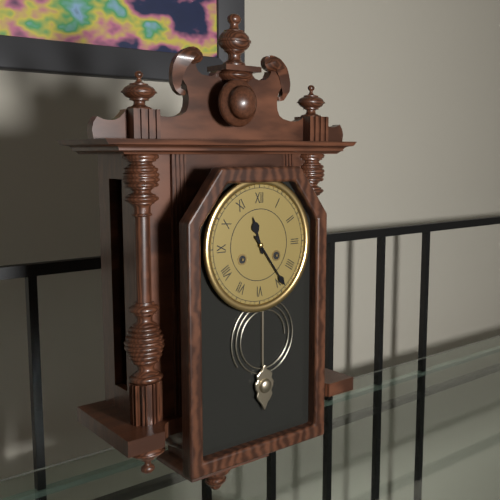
11:24
